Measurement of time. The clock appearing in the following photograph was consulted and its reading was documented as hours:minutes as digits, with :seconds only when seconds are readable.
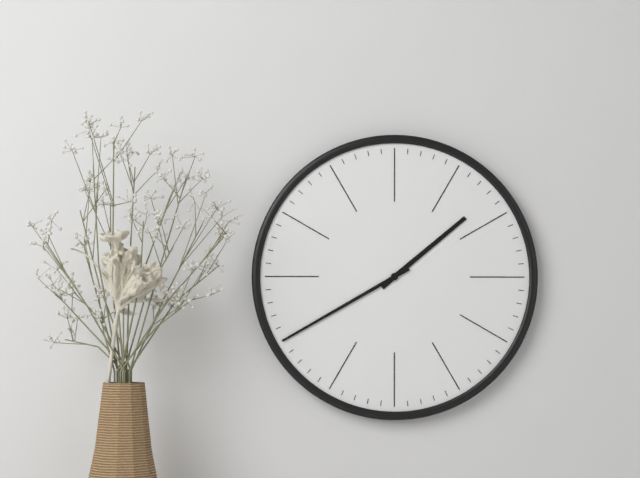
1:40
